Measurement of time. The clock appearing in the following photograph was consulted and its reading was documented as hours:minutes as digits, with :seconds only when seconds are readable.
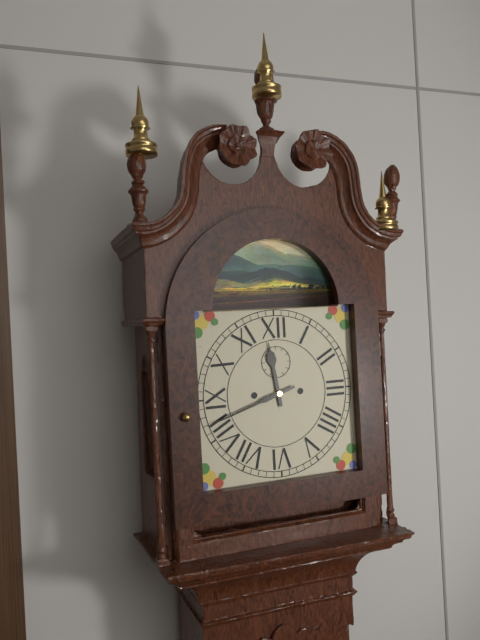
11:42
